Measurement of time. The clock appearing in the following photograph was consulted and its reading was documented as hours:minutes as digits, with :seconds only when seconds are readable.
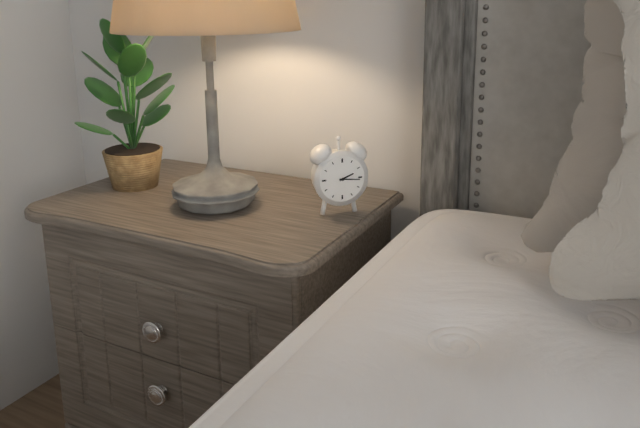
2:16
